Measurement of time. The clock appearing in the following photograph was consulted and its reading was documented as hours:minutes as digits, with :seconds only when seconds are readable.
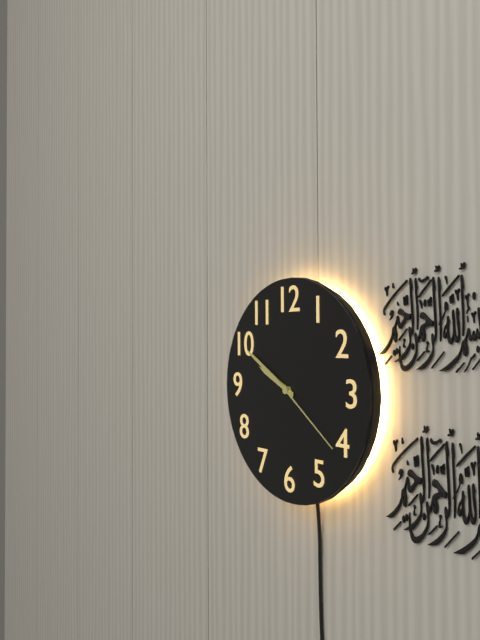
9:50:21
